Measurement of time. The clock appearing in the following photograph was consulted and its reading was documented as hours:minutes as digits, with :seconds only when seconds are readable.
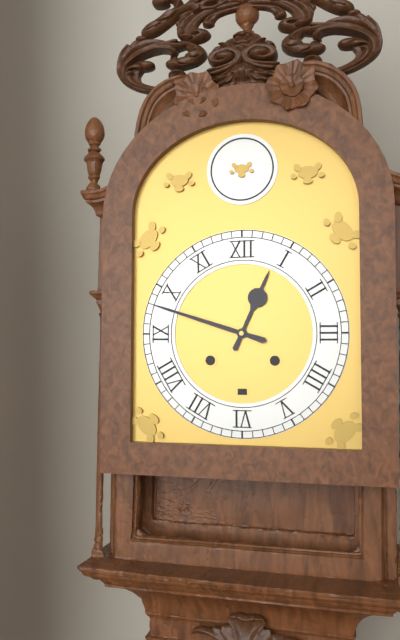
12:48
